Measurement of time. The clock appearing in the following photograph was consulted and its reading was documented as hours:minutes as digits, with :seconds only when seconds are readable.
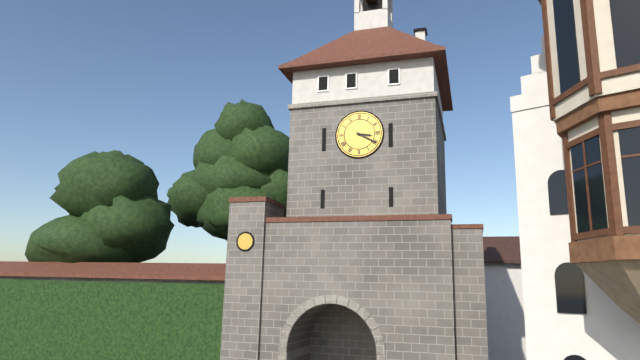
3:20
